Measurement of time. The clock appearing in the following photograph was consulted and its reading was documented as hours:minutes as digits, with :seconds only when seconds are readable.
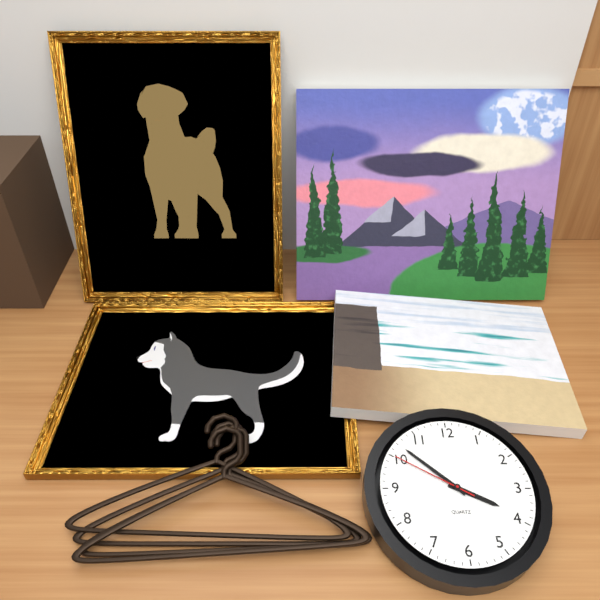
3:52:50
